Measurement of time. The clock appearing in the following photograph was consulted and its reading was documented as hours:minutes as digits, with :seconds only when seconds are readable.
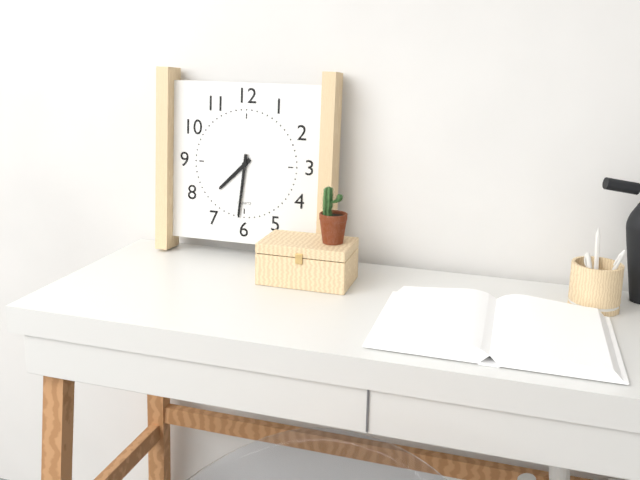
7:31
